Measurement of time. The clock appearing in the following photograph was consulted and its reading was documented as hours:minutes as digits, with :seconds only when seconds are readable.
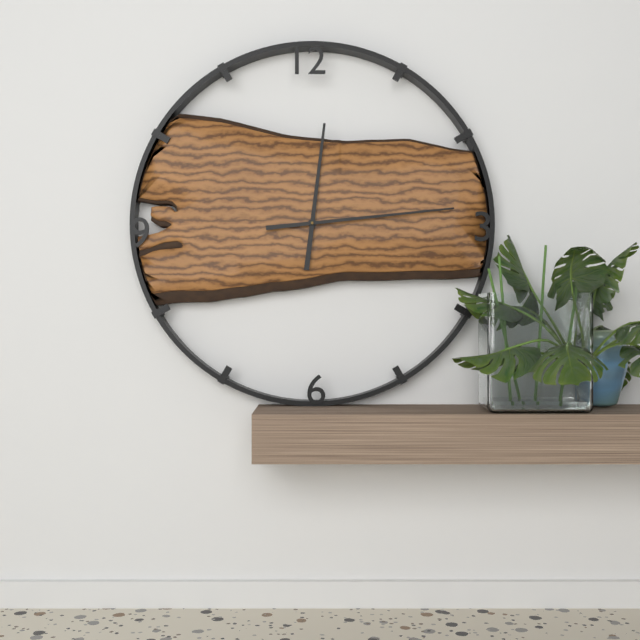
12:14
